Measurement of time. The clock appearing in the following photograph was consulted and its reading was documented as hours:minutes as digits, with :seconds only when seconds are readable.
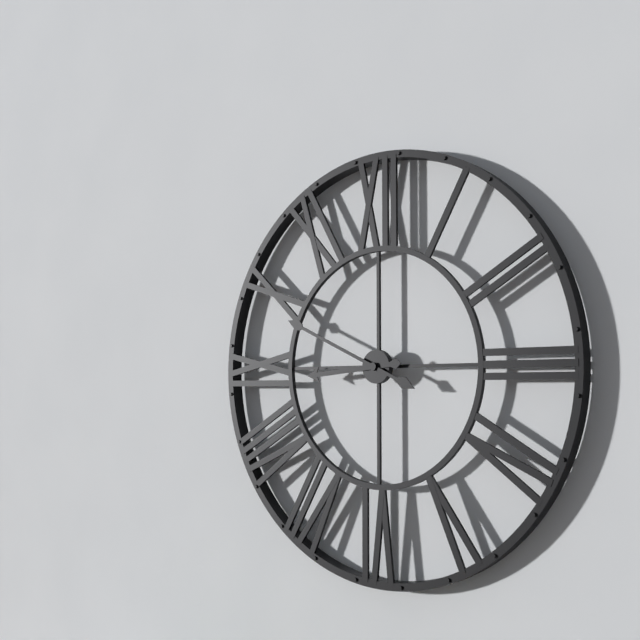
8:49
